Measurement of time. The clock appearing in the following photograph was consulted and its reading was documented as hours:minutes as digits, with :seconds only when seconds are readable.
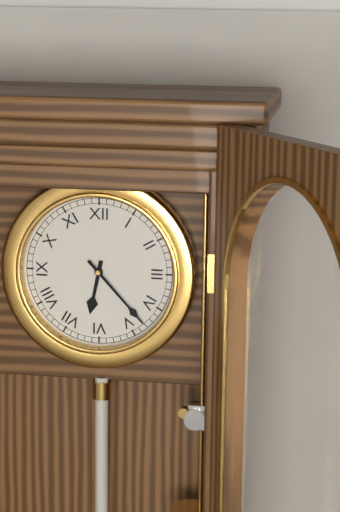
6:23
